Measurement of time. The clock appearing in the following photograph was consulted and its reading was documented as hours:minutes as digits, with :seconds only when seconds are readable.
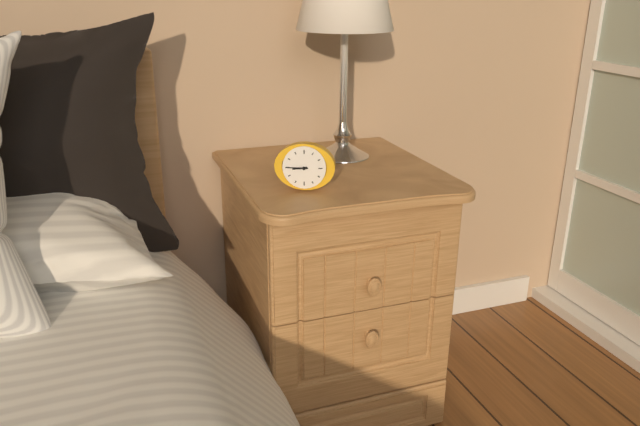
8:45
